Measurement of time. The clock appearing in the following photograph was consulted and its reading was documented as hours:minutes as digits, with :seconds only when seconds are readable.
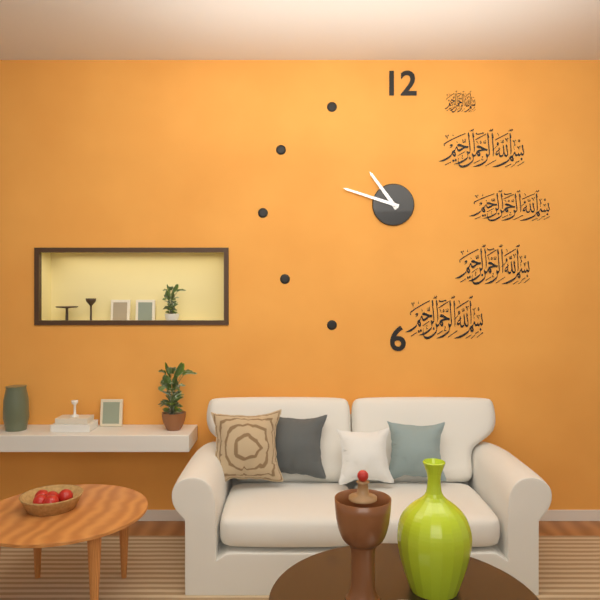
10:48
